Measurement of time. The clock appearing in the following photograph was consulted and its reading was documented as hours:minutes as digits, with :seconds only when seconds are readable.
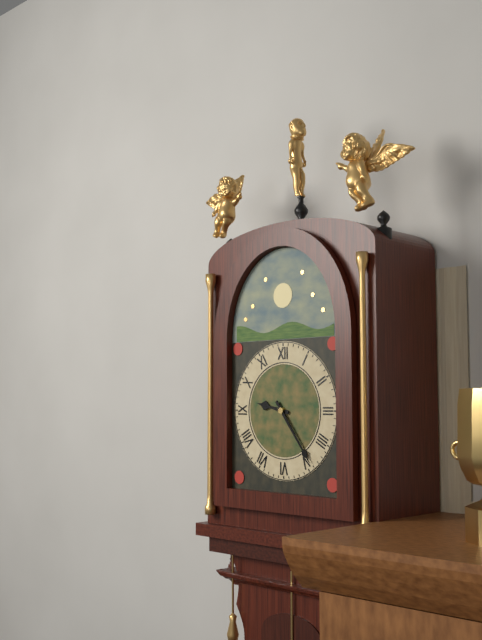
9:24
